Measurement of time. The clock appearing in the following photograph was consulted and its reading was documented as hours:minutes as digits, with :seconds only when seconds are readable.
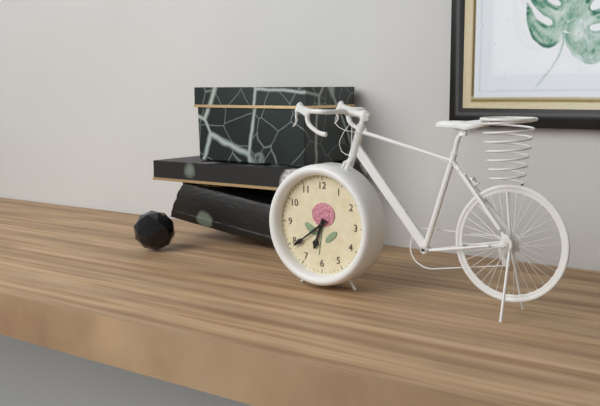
6:39
